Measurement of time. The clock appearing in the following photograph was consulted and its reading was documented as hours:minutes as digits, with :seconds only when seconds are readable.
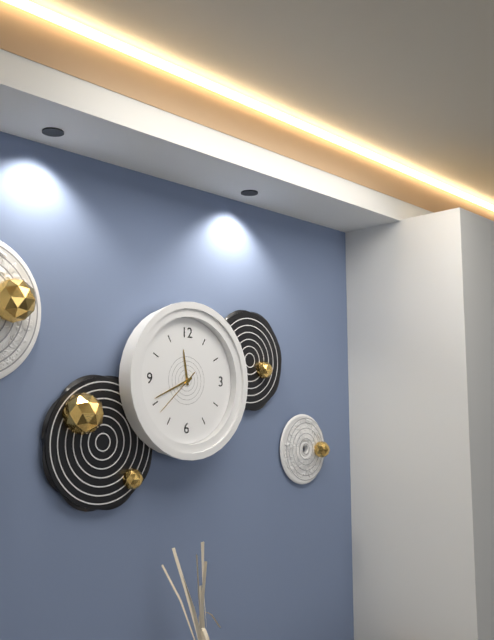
11:41:38
